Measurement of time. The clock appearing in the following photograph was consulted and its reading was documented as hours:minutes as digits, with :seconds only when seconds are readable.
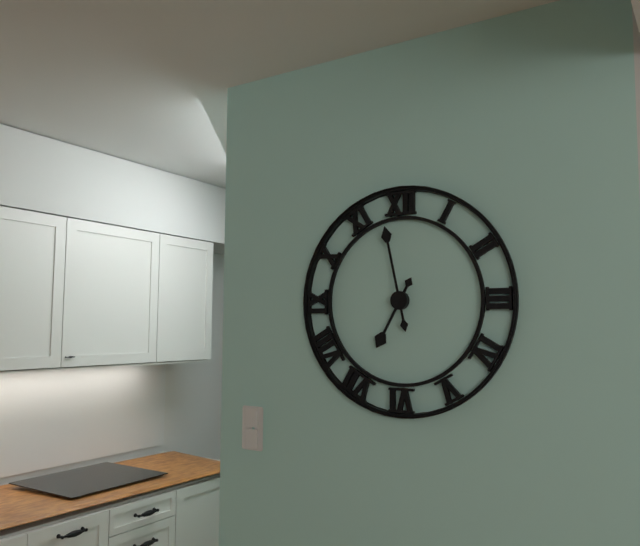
6:58
